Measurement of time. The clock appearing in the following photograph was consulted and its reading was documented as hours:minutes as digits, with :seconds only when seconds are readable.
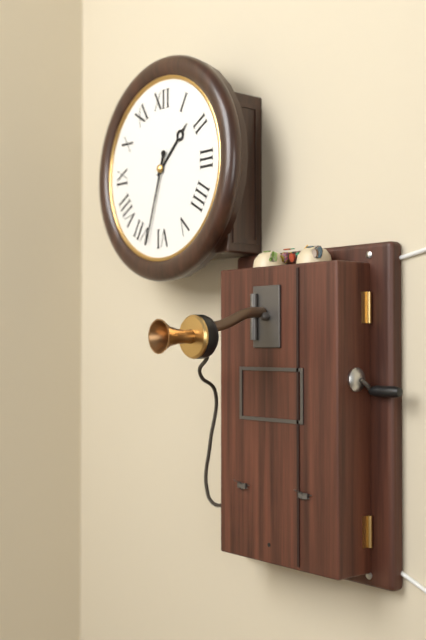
1:33
